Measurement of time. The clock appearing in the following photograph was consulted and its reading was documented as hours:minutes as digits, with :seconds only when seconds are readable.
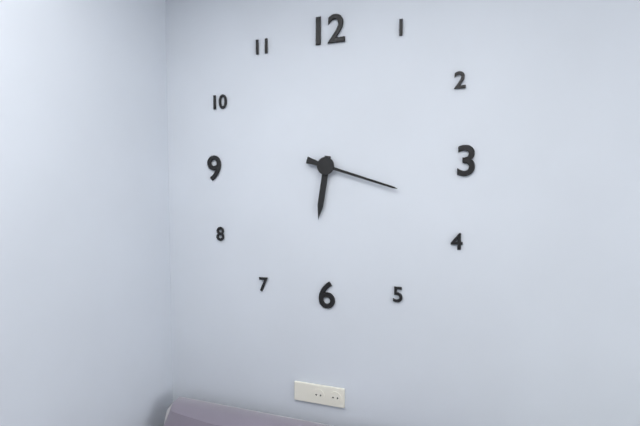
6:18
